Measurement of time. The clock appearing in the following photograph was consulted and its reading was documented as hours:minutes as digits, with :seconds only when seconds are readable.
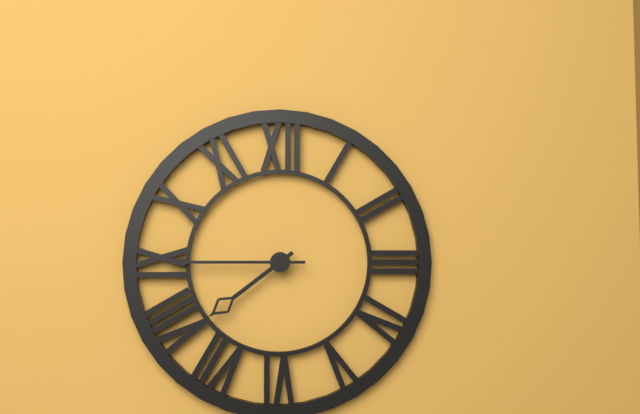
7:45
